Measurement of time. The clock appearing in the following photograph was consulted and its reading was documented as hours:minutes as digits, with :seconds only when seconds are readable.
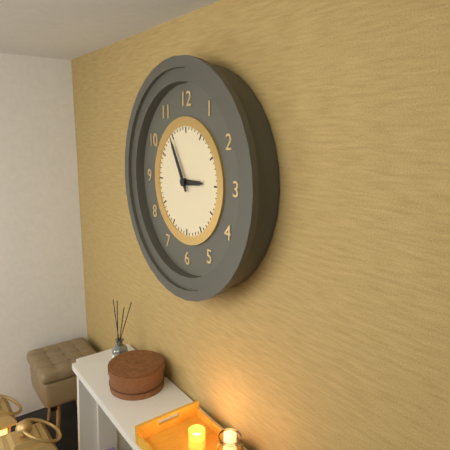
2:55
